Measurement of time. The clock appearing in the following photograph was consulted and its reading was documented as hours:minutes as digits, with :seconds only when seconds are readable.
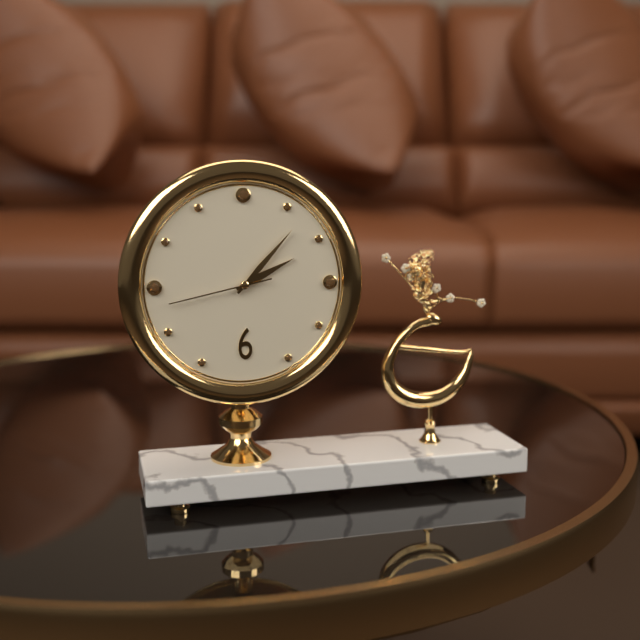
2:07:43
